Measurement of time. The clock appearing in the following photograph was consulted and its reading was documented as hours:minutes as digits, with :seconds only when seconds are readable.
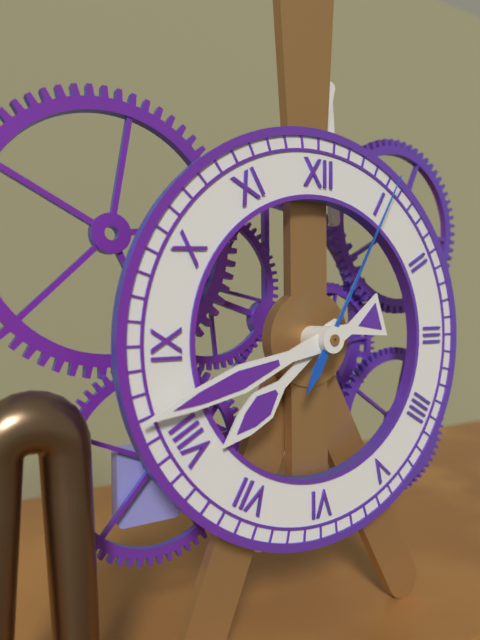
7:42:05
